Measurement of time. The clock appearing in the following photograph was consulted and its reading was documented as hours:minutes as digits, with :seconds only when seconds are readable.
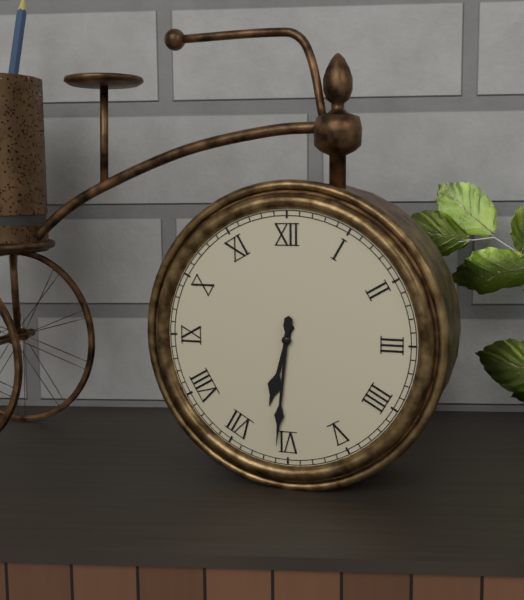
6:31
